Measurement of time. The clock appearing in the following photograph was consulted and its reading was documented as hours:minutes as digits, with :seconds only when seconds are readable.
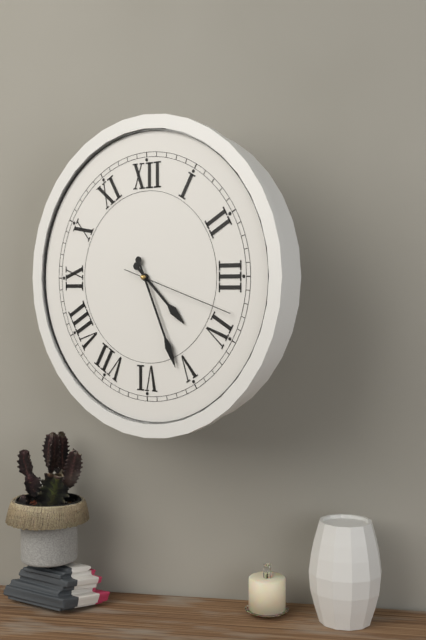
4:26:18
